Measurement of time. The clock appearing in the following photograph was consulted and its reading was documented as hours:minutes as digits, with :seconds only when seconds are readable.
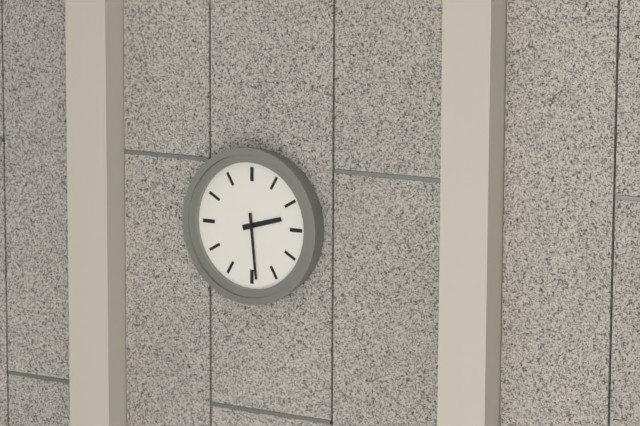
2:29
